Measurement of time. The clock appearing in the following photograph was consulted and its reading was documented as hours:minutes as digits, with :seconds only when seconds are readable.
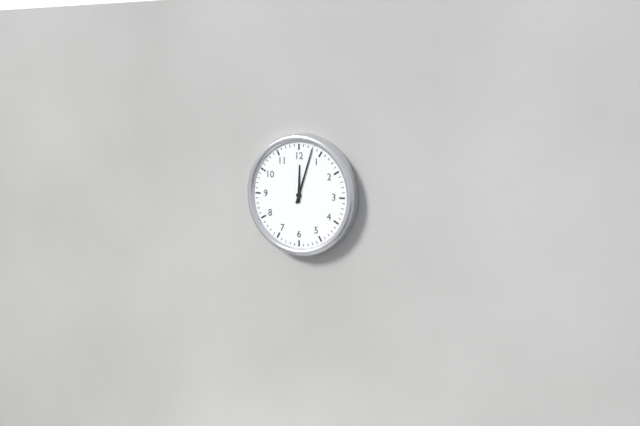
12:03
